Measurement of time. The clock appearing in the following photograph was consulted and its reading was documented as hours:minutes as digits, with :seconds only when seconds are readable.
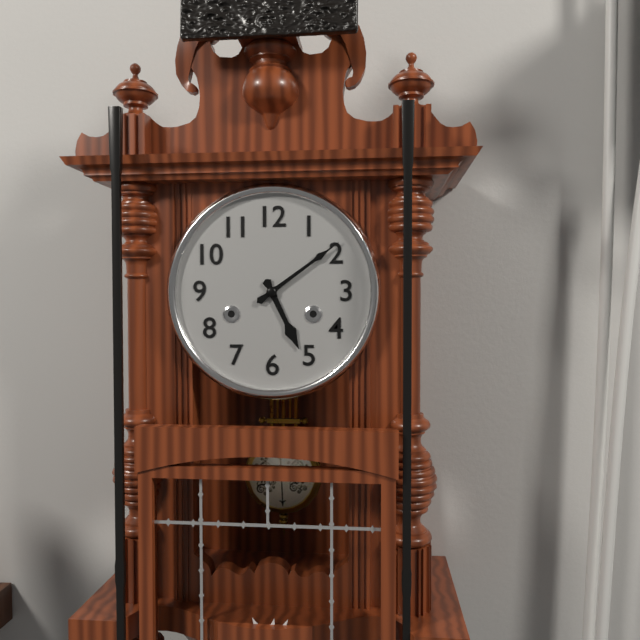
5:09
